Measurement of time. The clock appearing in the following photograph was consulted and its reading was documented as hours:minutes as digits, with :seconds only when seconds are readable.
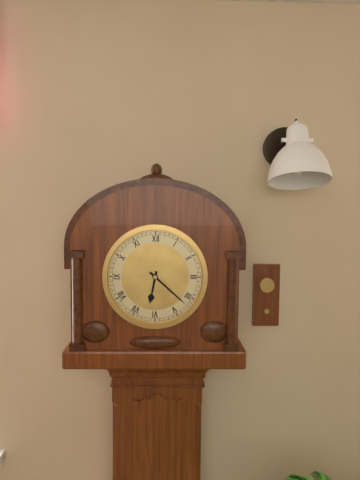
6:22
